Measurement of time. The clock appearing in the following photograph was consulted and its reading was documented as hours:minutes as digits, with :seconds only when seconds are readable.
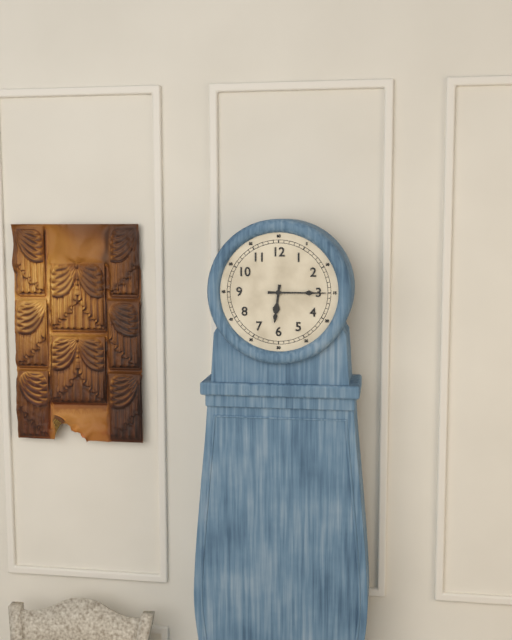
6:15
